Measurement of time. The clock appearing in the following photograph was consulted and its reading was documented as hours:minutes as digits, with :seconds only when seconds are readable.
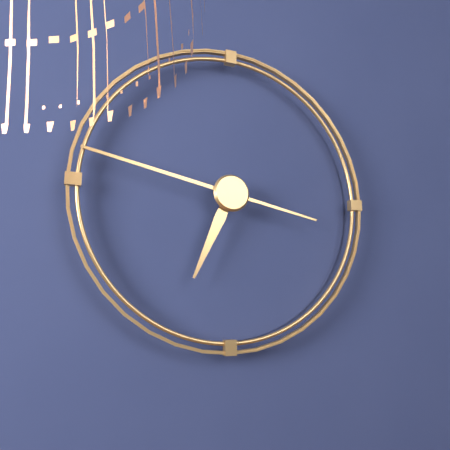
6:47
